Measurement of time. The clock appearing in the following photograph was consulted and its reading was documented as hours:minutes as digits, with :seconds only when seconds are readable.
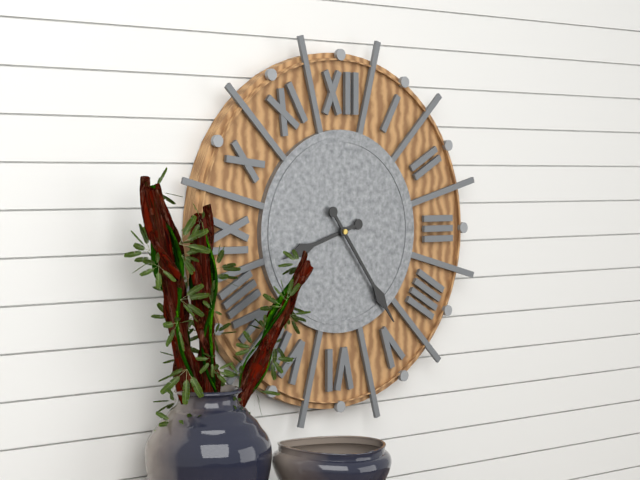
8:24
